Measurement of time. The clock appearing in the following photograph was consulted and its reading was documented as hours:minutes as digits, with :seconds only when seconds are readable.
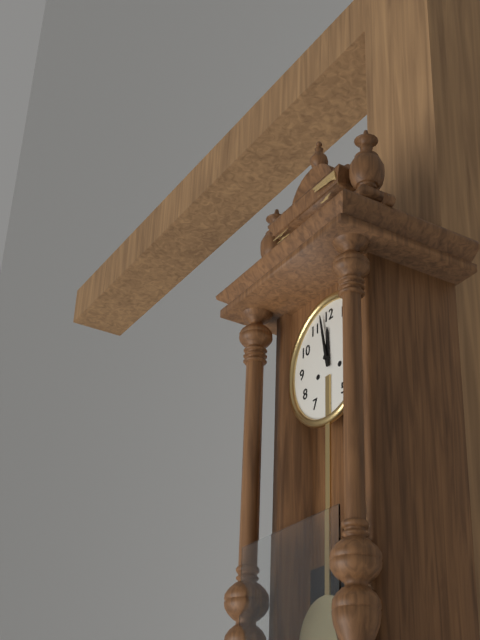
11:58
